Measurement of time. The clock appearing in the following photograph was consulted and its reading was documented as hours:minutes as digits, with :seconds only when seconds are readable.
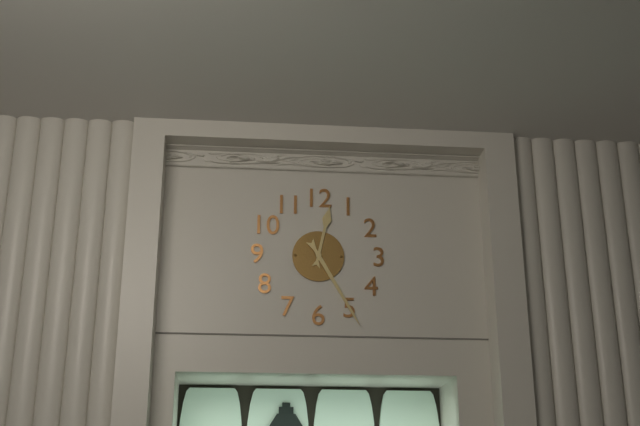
12:25
